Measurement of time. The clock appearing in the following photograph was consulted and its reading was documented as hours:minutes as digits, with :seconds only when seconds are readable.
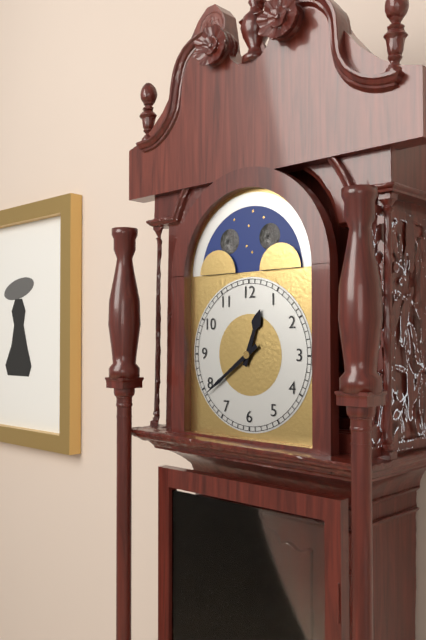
12:39
